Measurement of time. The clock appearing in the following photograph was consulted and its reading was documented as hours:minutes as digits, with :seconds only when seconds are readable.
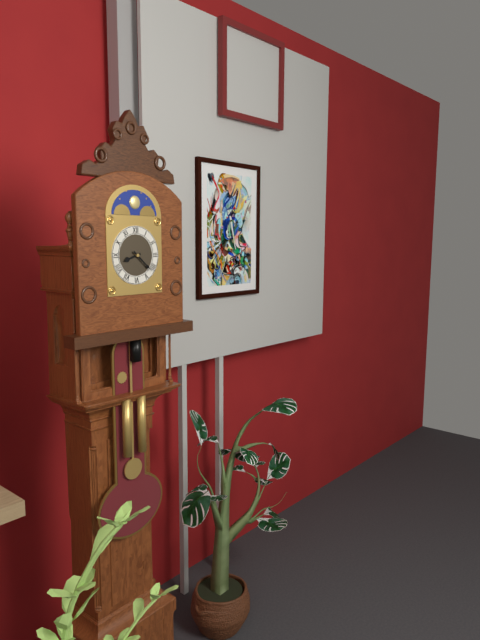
8:22
